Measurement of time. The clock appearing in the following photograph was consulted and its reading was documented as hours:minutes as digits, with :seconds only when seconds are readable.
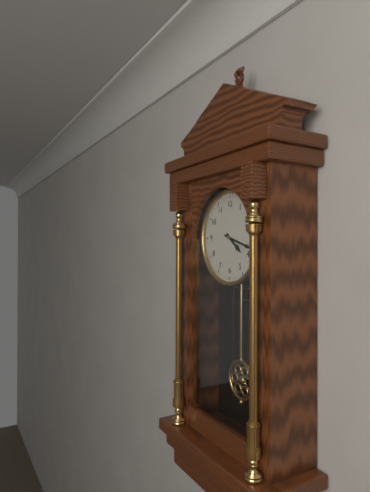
4:18
